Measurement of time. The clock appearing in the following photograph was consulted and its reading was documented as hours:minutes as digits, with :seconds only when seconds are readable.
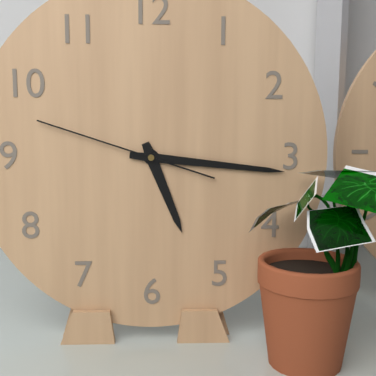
5:16:48
